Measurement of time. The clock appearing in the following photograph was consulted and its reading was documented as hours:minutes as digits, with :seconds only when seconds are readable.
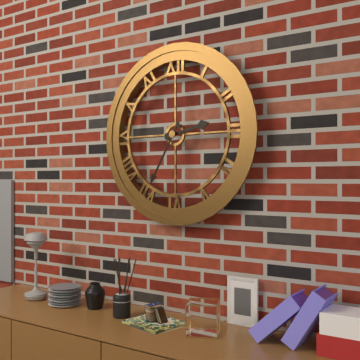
2:35
